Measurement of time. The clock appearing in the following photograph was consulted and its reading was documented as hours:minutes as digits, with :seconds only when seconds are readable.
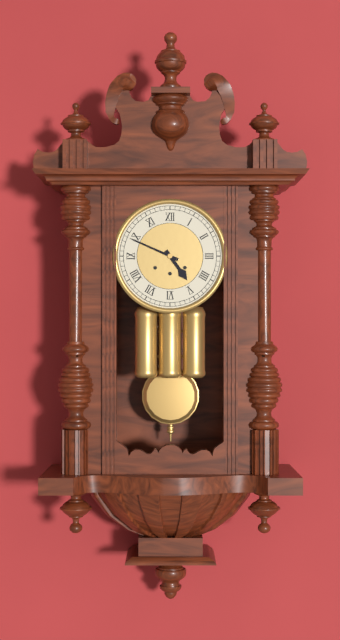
4:49
